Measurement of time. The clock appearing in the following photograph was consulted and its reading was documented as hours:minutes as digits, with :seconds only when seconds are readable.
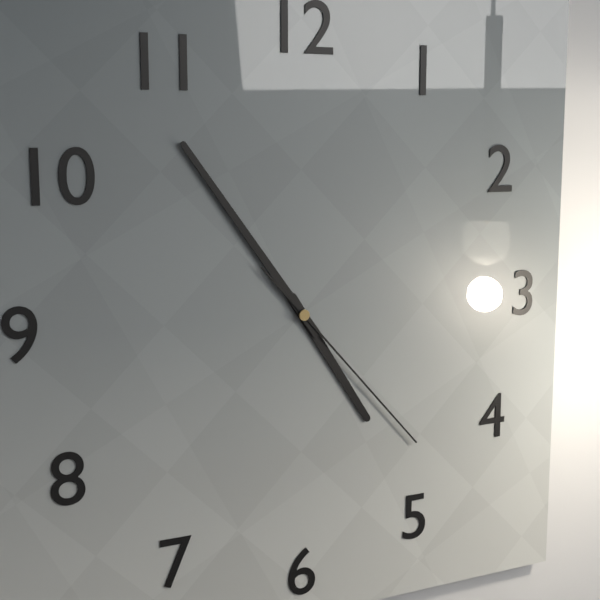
4:54:23
